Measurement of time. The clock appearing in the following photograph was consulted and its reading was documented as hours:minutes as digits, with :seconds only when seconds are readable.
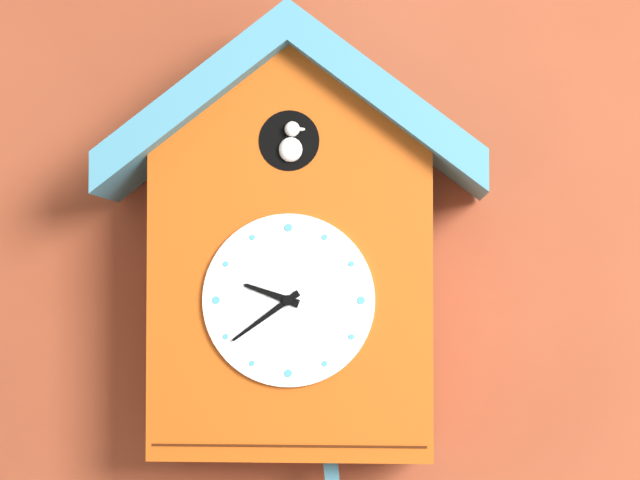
9:39
